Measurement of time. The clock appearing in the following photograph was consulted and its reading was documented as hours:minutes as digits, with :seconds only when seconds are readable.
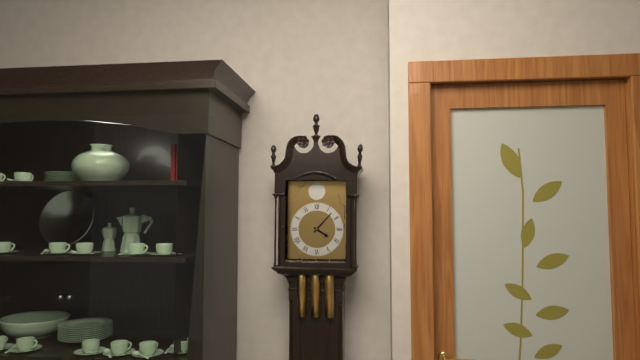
4:07
